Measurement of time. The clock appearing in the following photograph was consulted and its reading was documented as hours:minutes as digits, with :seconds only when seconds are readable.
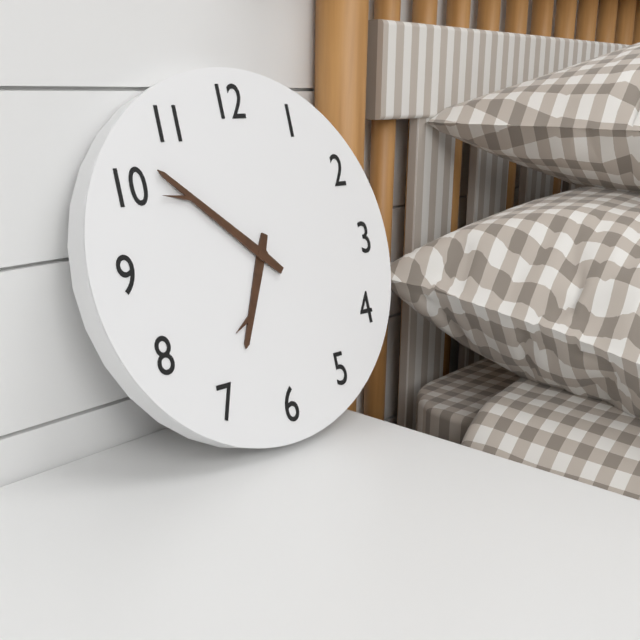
6:52
